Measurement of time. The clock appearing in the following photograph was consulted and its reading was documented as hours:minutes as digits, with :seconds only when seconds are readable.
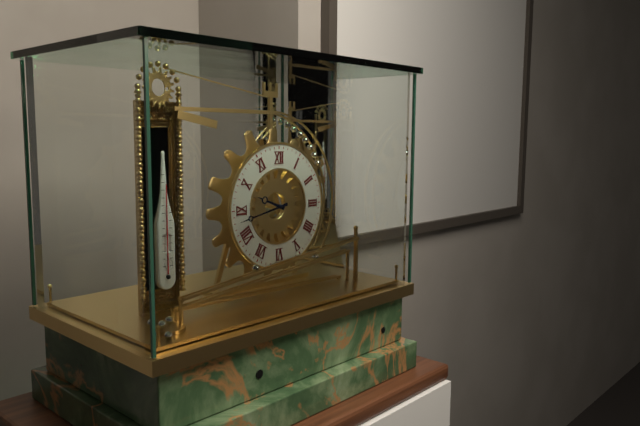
9:43
